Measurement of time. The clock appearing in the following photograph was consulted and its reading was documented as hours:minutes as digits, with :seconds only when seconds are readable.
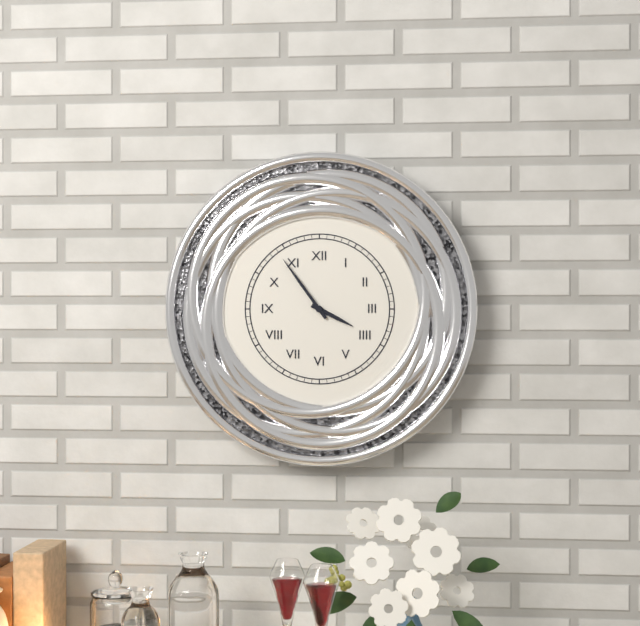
3:54
